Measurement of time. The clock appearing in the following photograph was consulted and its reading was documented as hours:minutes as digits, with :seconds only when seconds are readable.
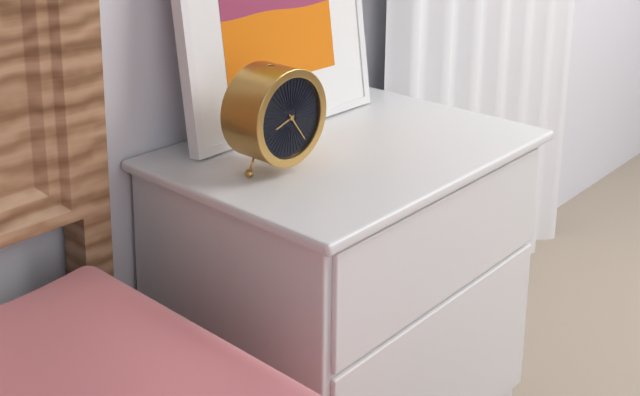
8:24
